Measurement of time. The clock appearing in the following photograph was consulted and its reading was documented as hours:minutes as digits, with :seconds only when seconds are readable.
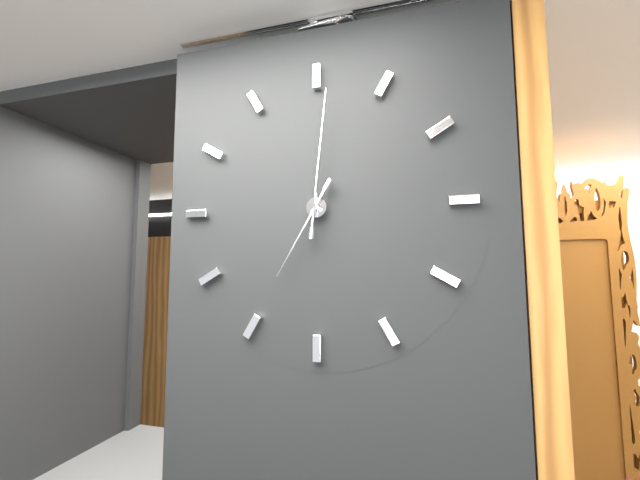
7:01
